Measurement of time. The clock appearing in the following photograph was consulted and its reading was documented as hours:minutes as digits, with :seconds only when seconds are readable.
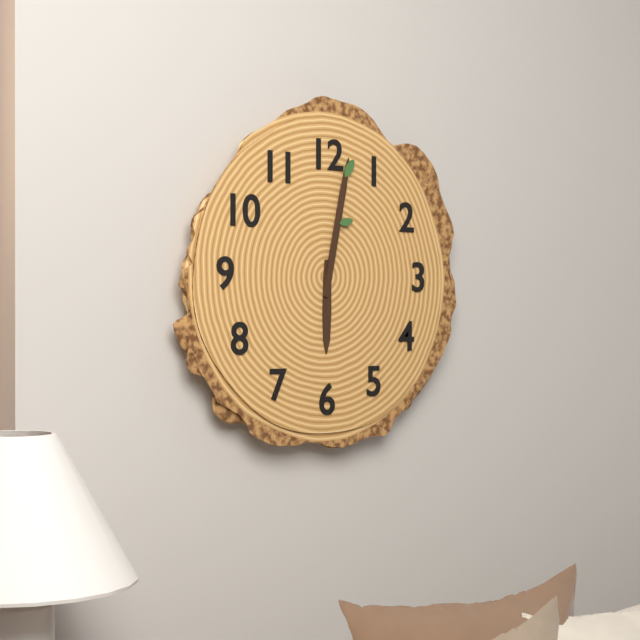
6:02
